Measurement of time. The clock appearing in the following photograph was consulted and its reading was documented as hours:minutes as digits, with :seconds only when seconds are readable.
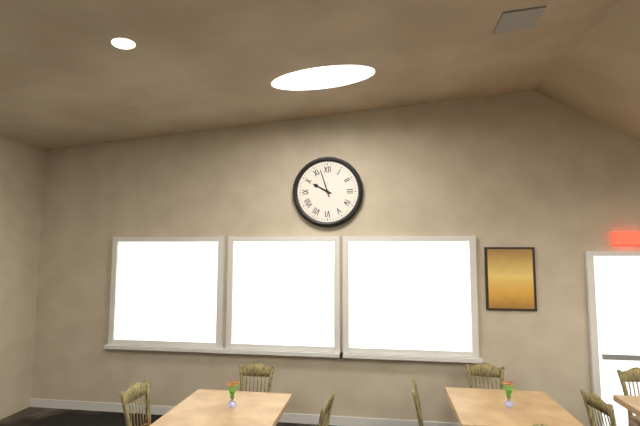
9:57
